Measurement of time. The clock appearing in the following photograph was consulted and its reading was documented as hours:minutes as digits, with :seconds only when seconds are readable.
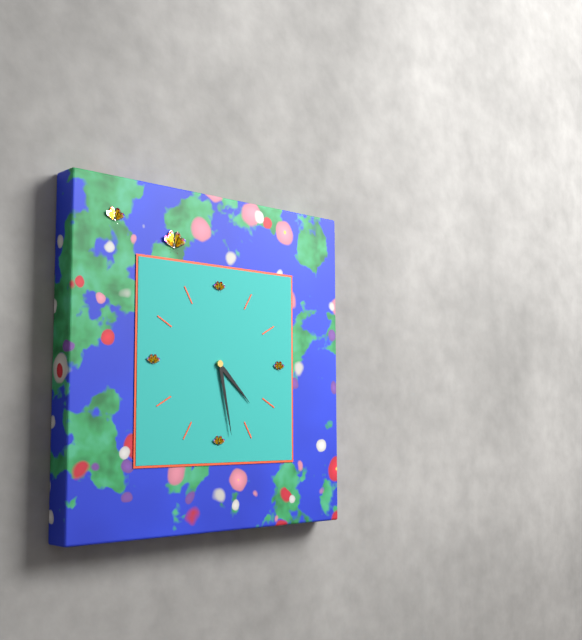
4:28
